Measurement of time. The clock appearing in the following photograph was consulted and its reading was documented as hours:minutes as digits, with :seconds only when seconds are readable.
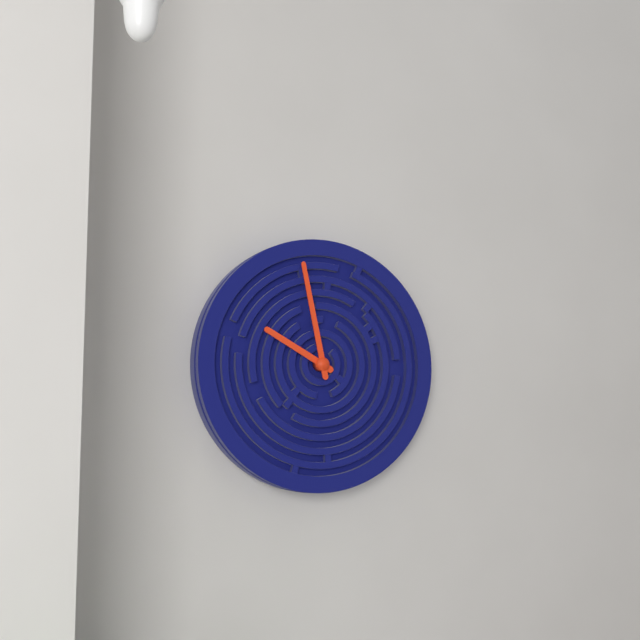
9:58
